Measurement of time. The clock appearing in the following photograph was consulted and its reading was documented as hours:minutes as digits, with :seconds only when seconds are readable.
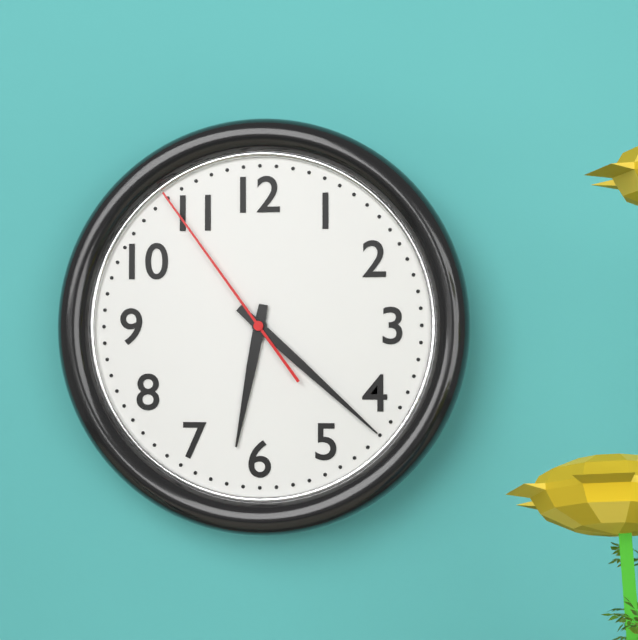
6:22:54
